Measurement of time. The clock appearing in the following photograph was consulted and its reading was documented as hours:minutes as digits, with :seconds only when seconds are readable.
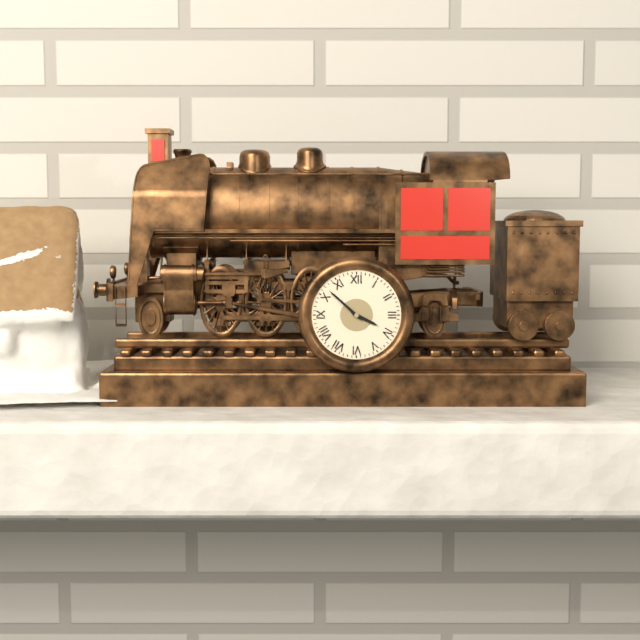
3:52
